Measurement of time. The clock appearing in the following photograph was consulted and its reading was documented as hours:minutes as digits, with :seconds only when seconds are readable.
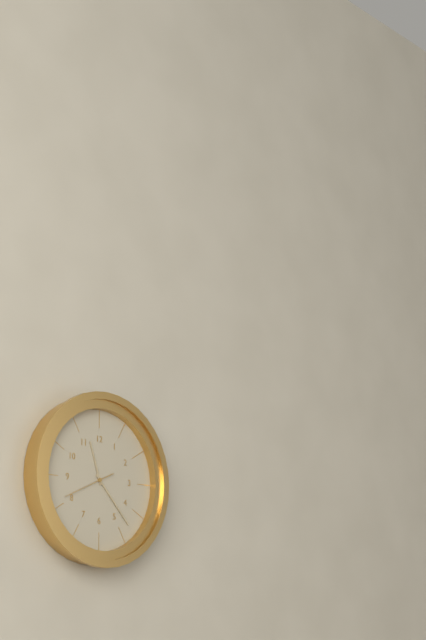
11:23
